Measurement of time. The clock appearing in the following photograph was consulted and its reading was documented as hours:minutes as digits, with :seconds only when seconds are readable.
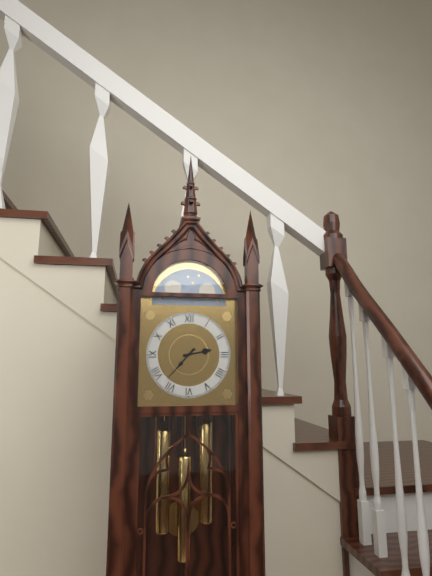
2:37
